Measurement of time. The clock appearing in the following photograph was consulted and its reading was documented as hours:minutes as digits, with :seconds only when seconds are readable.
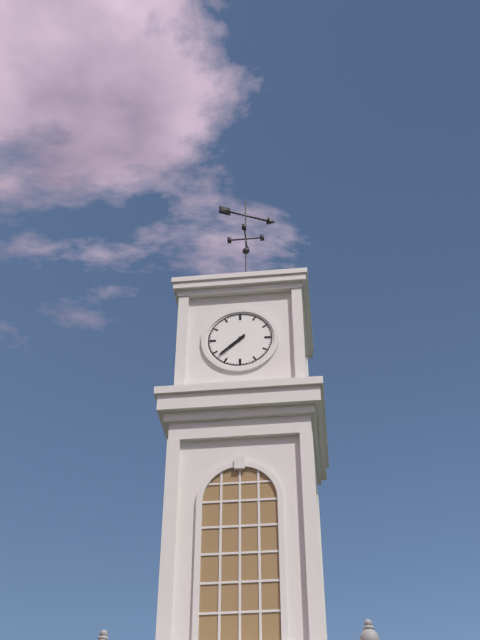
7:38
